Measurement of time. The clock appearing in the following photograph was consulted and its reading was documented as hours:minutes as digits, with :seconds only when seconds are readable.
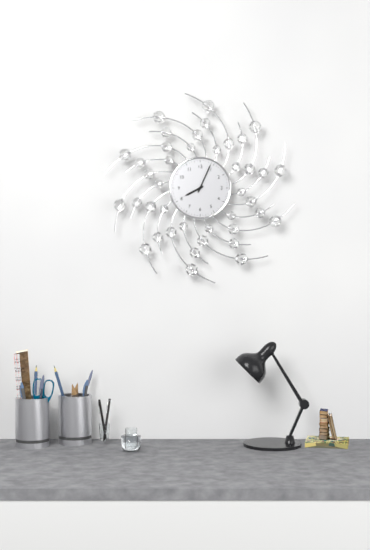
8:04
